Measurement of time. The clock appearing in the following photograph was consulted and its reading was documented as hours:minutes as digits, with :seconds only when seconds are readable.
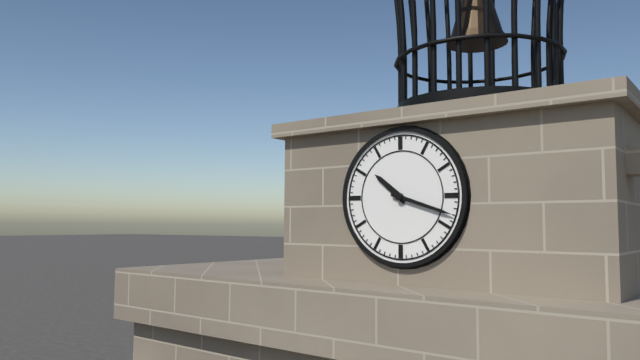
10:18
